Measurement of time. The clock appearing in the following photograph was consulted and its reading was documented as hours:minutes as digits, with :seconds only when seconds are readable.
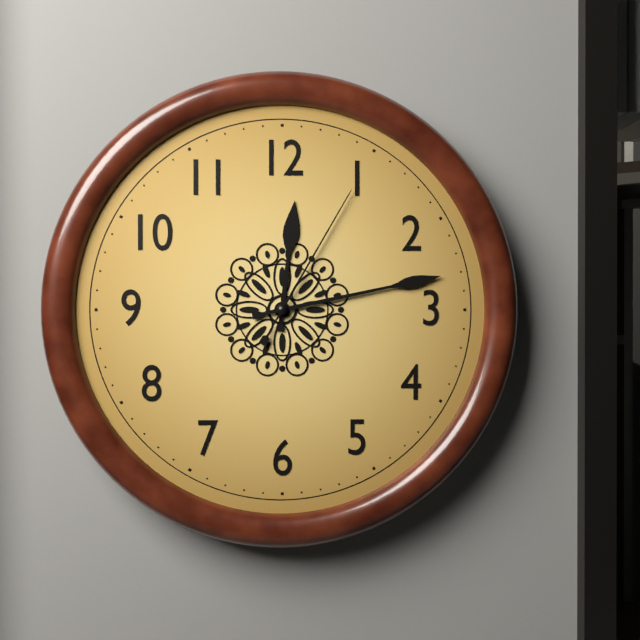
12:13:05
